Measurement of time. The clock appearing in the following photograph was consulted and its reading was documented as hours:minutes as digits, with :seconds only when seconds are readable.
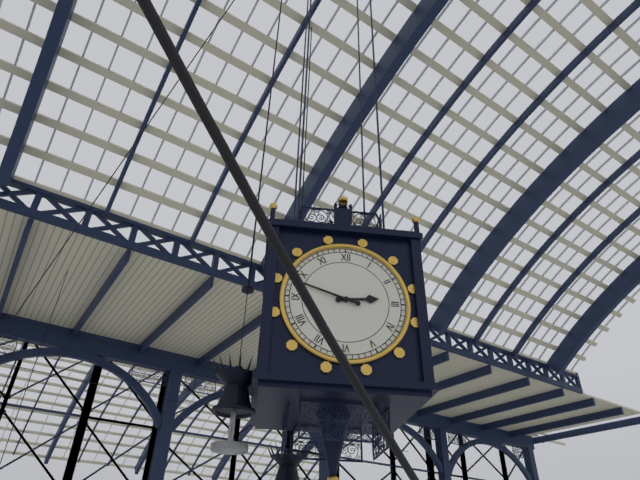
2:48
